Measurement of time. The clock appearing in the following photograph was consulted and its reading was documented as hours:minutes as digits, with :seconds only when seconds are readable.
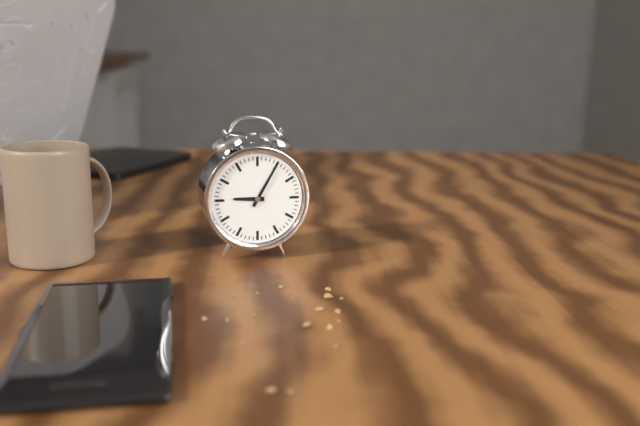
9:05
